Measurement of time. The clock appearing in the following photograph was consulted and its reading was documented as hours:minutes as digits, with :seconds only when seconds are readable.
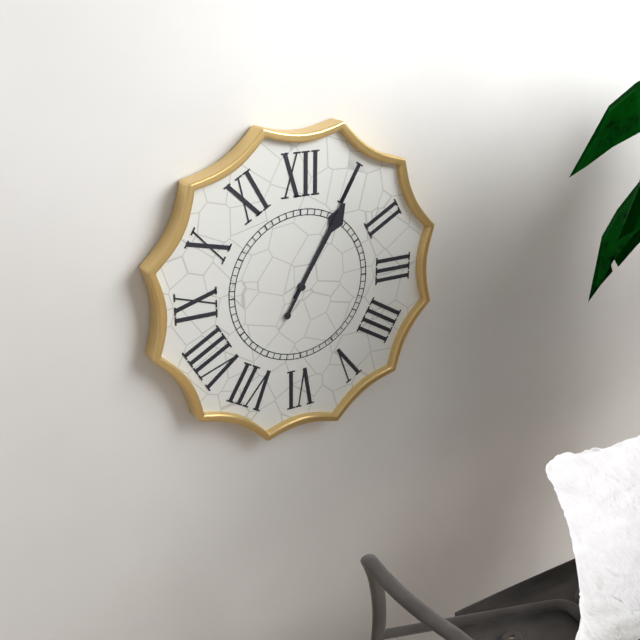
1:05
